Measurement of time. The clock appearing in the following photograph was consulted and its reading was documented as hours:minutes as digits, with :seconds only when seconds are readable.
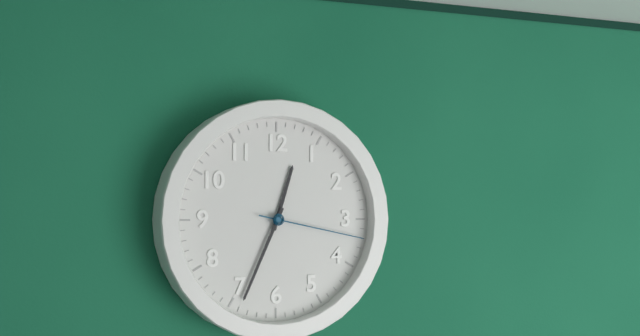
12:34:17
